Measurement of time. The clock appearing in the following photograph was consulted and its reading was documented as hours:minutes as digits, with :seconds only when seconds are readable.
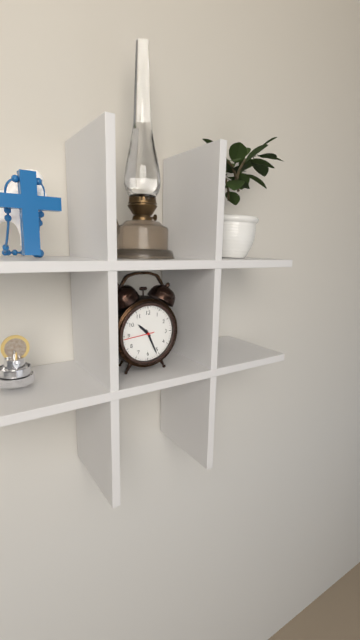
10:26
